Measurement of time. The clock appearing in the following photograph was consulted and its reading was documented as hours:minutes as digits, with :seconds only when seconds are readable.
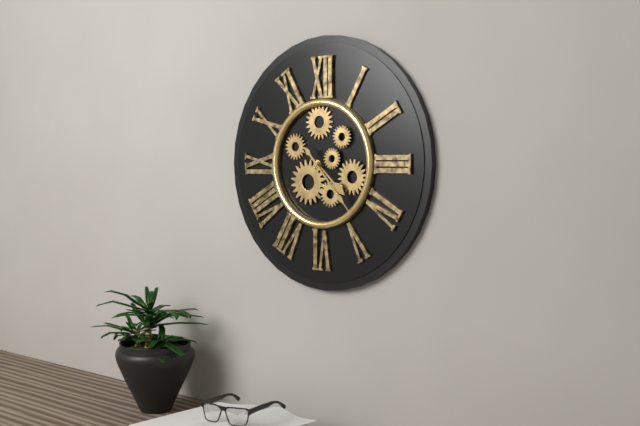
4:23
